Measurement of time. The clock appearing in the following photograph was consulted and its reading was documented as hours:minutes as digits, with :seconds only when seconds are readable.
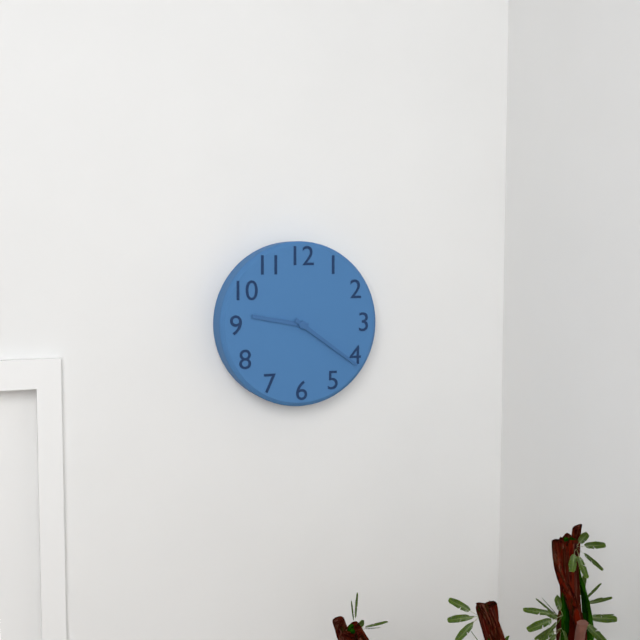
9:21
